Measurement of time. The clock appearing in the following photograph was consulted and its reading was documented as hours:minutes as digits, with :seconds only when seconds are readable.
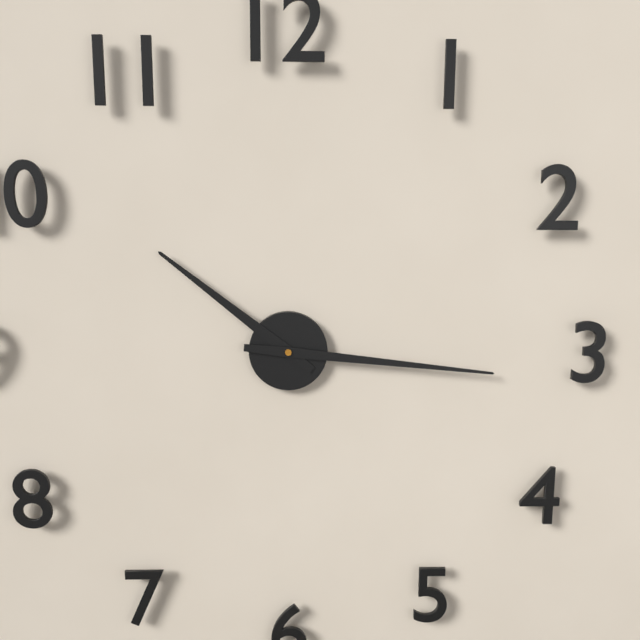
10:16
